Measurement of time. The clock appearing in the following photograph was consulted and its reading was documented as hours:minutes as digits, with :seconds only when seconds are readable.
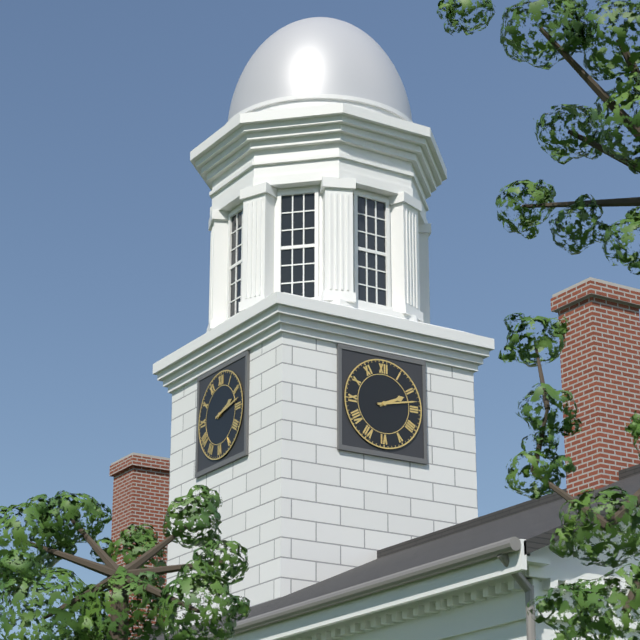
2:13
